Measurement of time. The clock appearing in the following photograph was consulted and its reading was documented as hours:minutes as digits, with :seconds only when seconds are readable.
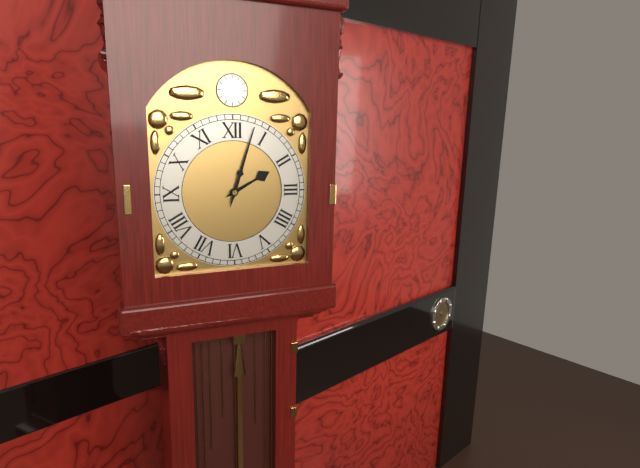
2:03
